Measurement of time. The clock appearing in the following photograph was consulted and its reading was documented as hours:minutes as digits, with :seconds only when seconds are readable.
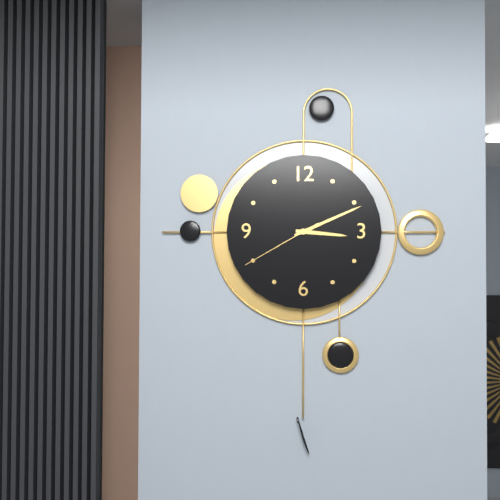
3:11:40
